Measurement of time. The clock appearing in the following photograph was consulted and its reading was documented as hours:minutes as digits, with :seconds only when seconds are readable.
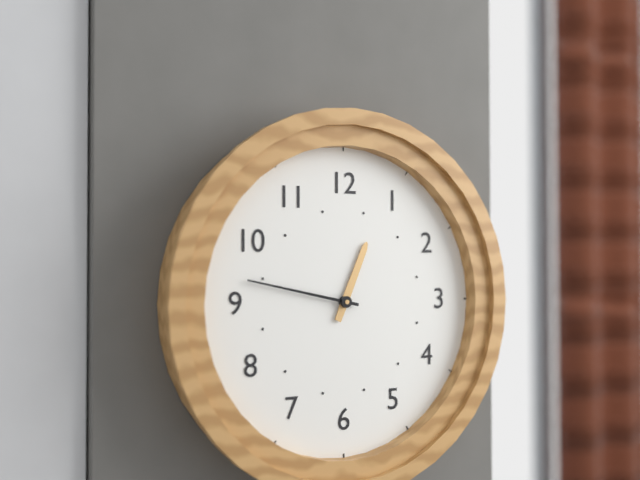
12:47
